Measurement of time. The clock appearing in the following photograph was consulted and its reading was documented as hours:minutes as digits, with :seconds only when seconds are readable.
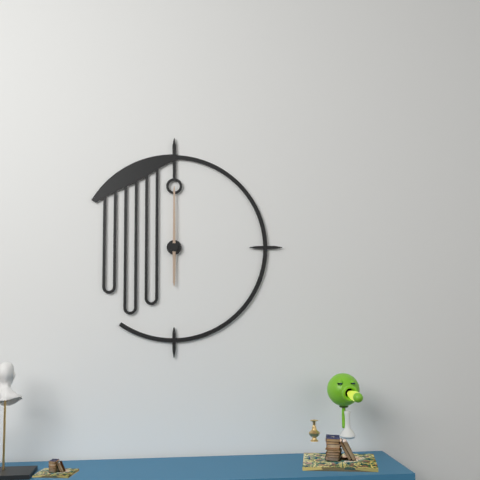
6:00
